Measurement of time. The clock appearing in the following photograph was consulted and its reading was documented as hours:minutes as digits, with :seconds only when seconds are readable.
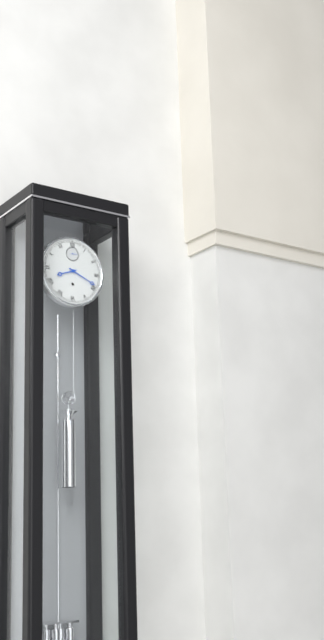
8:19
